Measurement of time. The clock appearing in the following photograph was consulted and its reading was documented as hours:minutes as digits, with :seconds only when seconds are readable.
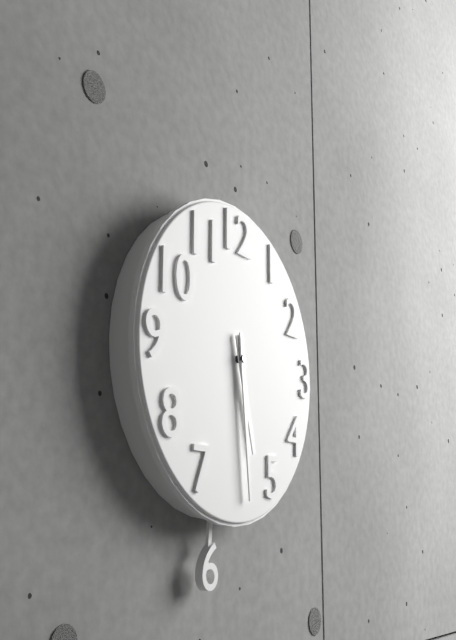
5:29
